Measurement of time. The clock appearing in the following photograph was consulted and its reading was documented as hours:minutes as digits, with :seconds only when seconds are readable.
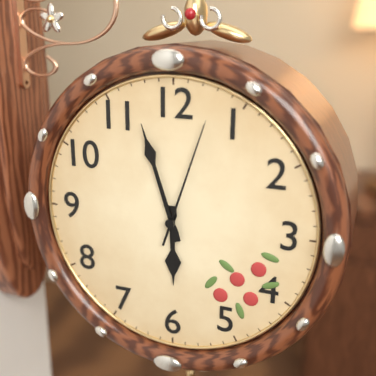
5:57:03
